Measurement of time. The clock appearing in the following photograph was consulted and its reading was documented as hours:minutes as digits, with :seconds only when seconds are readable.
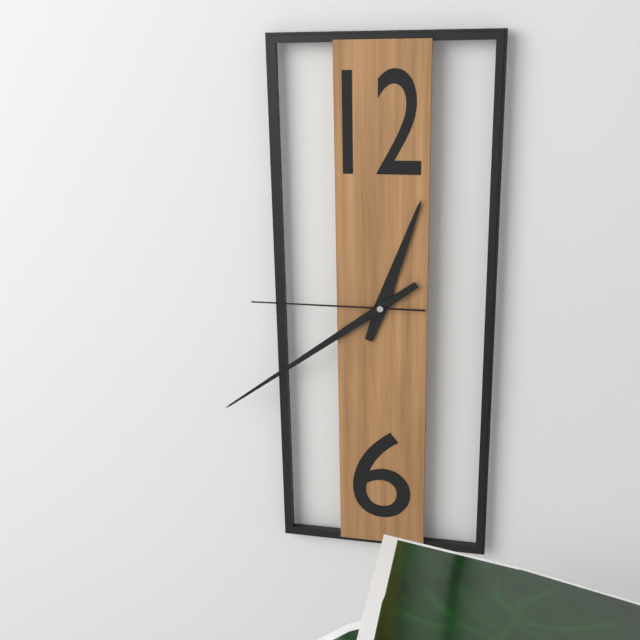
12:39:45
